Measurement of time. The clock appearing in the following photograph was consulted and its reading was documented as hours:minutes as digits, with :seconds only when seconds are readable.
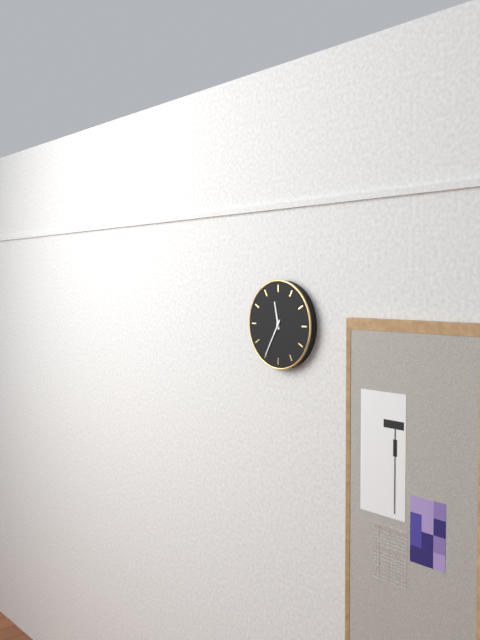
11:35
